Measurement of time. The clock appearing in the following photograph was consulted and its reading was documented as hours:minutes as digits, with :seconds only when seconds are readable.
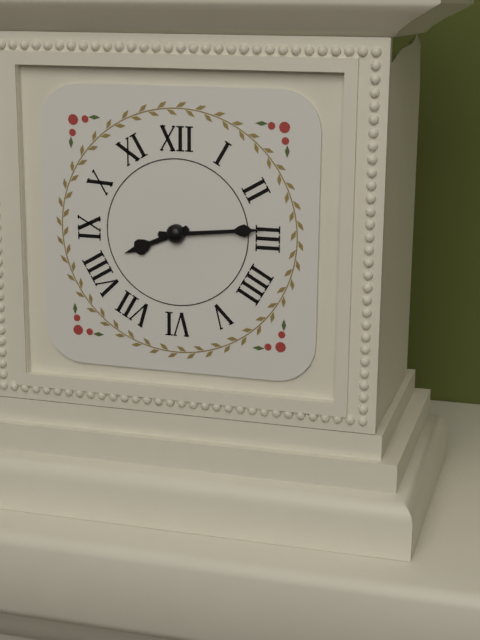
8:14
